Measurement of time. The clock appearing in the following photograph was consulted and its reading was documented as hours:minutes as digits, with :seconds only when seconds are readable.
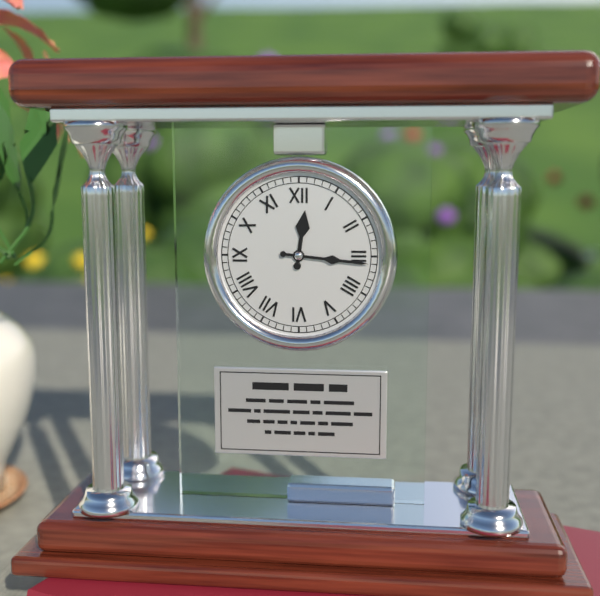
12:16
